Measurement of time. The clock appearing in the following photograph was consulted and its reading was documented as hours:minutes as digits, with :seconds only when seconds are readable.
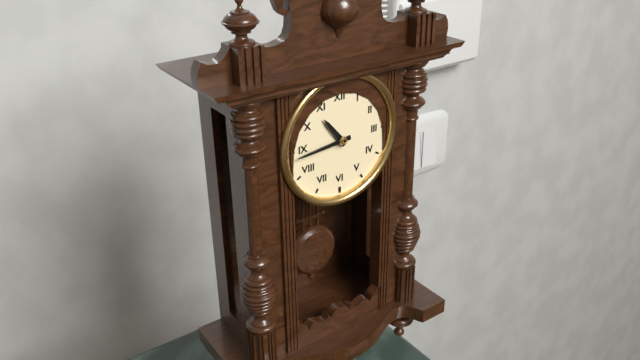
10:44
